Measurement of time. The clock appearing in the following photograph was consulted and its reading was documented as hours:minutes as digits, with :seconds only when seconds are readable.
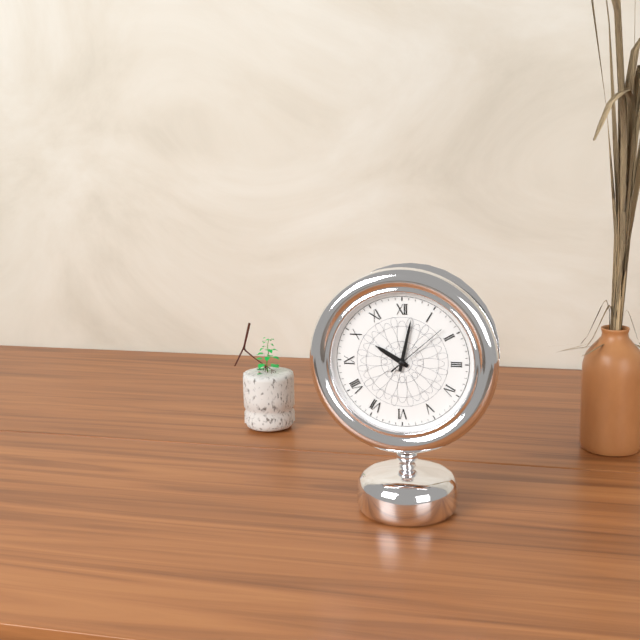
10:02:08
